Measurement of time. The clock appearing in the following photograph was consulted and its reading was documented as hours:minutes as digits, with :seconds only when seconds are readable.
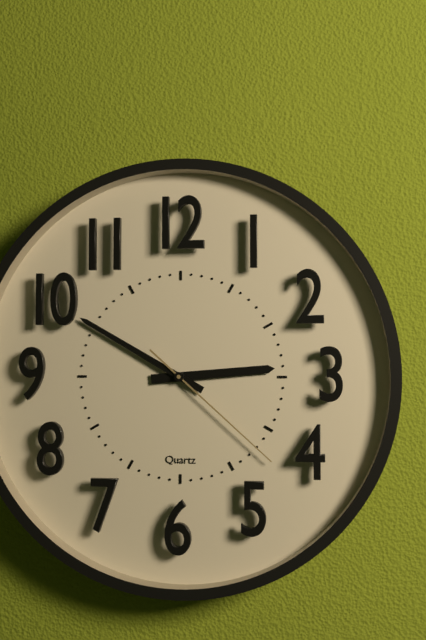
2:50:22
